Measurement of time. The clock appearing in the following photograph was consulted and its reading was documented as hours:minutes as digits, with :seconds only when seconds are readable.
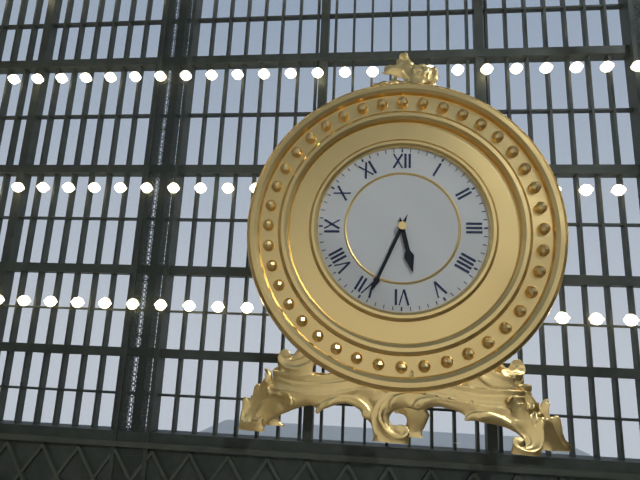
5:34
